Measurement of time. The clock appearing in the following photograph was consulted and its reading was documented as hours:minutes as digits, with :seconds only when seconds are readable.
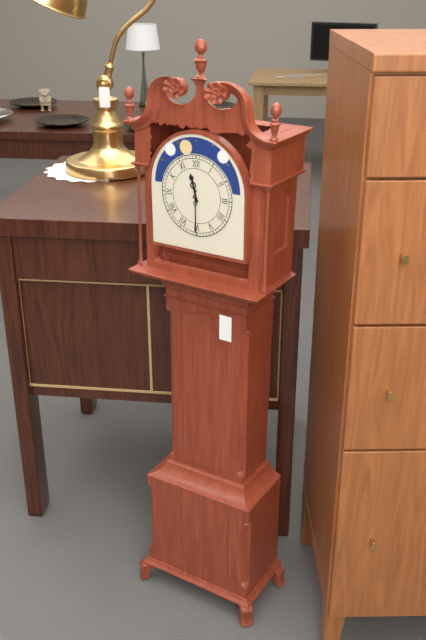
11:30
